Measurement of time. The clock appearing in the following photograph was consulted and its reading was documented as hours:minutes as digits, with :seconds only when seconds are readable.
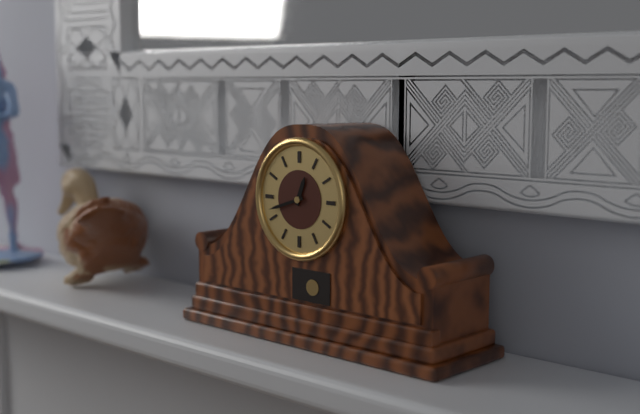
12:42
